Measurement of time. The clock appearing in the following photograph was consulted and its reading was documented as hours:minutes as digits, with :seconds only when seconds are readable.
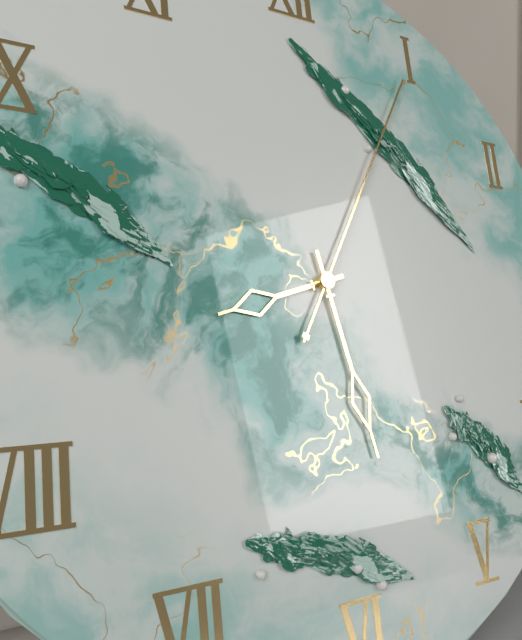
8:28:05
